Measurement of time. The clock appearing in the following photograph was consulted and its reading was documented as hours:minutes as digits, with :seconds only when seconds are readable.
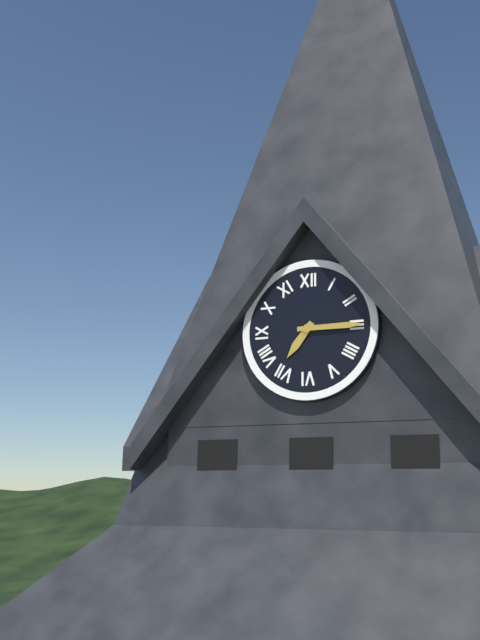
7:15
